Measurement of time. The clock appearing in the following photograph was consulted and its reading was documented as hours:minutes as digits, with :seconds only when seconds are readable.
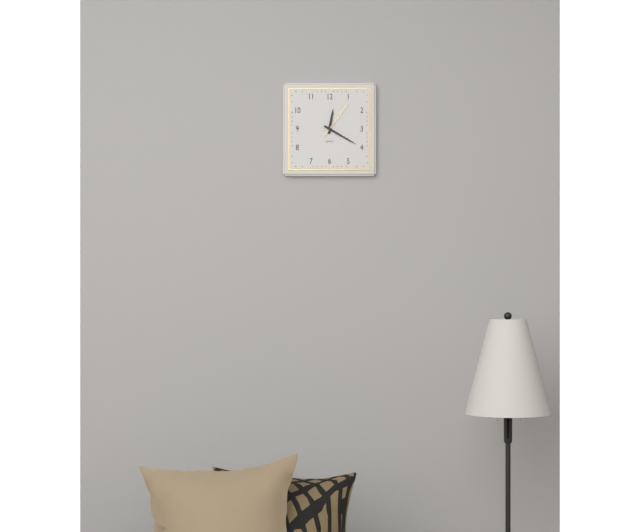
12:20
